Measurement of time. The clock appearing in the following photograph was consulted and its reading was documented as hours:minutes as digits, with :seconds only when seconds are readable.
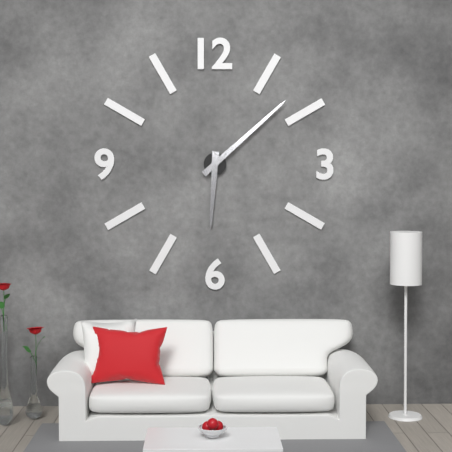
6:08
